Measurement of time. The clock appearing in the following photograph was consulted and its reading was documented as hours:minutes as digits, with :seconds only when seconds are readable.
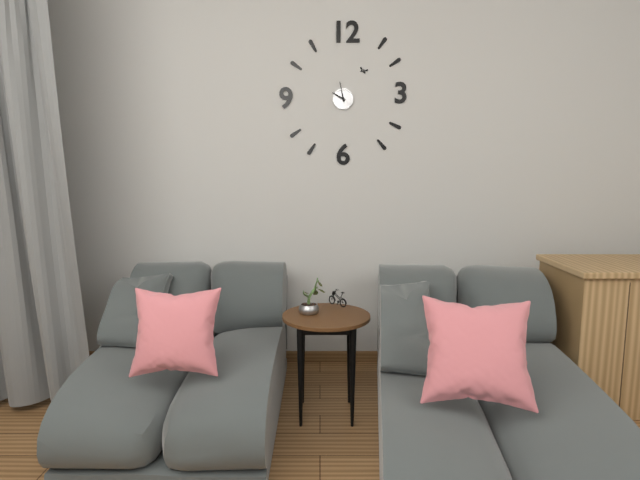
9:58
